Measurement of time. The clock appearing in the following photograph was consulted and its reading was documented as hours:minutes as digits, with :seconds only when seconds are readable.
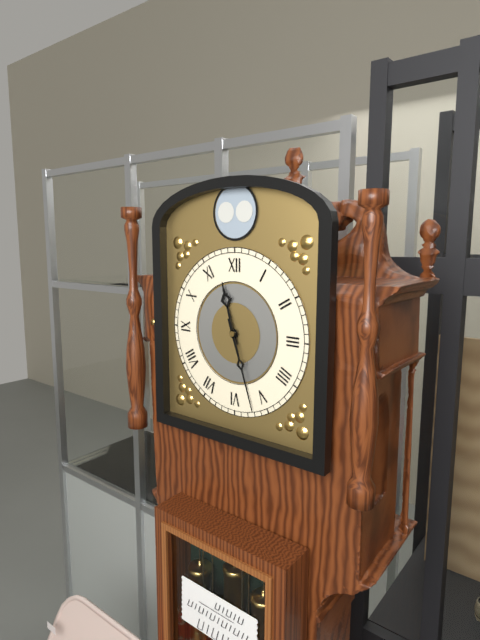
11:27
